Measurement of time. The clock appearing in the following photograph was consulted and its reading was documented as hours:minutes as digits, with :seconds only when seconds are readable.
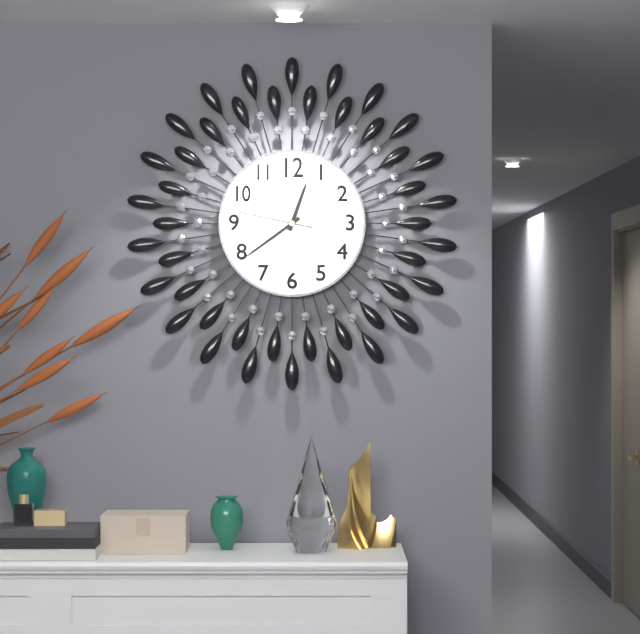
12:39:47
